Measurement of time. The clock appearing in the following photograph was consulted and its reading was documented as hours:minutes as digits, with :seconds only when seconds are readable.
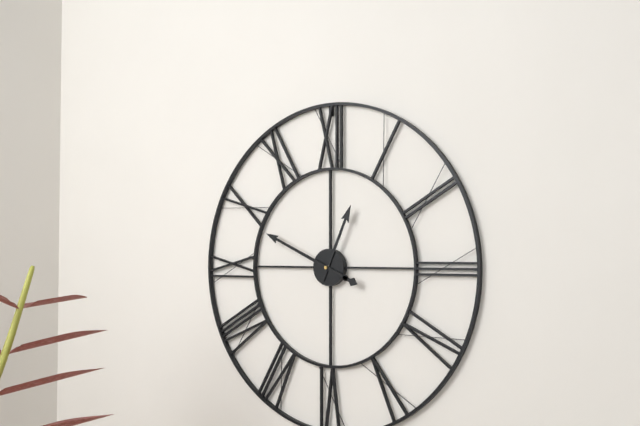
12:49
